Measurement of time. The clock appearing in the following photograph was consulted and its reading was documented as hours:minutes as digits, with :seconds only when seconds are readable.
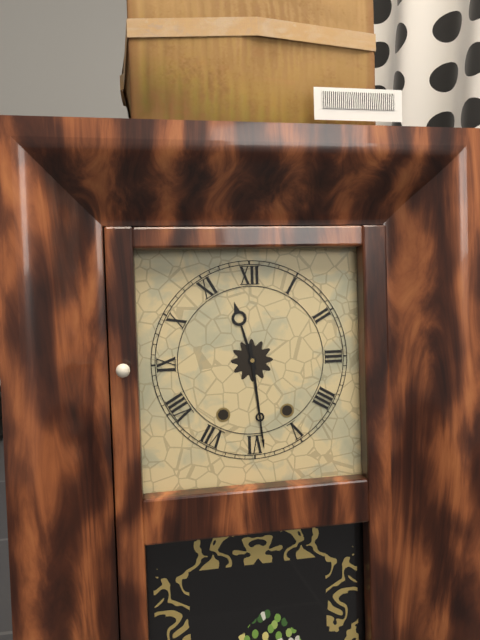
11:29
